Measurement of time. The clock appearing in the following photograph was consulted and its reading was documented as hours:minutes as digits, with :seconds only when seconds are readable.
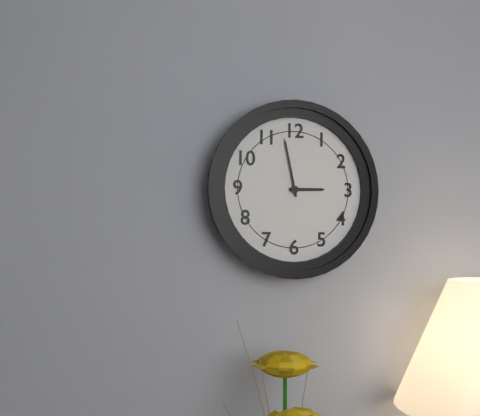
2:58
